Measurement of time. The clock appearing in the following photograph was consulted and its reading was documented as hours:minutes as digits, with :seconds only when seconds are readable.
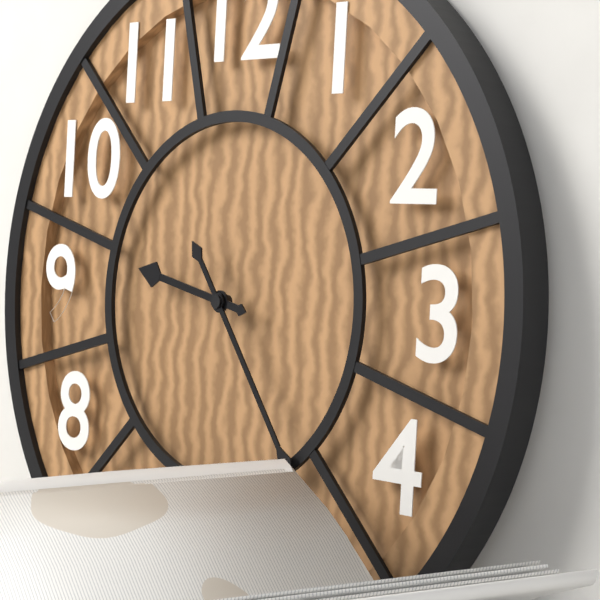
9:24
